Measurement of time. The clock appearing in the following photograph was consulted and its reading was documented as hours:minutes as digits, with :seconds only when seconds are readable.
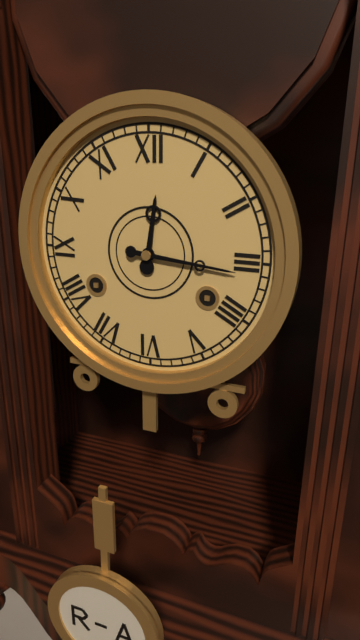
12:16
